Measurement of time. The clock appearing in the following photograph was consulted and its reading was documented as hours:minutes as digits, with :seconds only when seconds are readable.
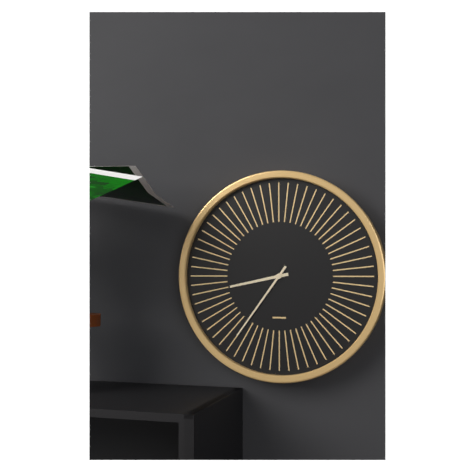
8:36
